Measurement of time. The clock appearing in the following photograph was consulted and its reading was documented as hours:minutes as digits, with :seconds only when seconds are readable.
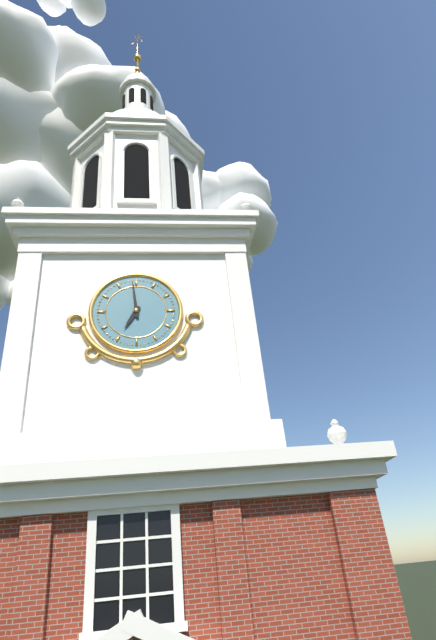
6:59
